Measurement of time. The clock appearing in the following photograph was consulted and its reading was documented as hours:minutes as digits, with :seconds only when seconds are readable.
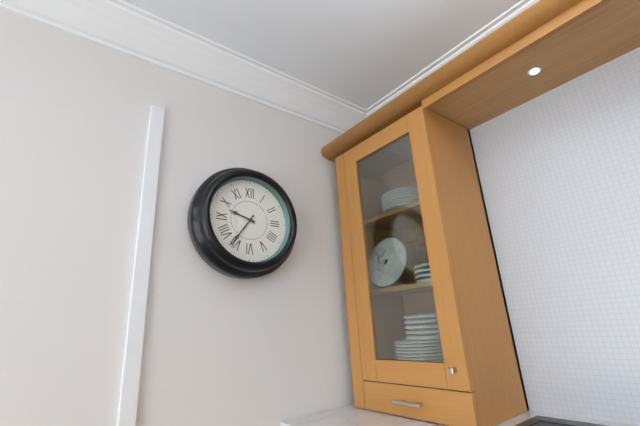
9:36
